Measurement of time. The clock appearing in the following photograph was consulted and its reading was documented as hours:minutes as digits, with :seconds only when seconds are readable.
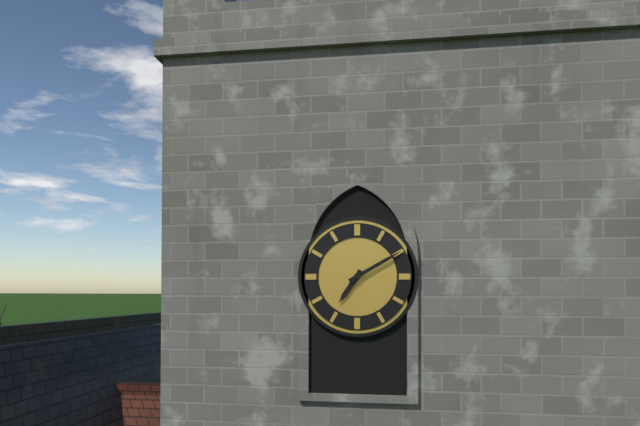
7:10
